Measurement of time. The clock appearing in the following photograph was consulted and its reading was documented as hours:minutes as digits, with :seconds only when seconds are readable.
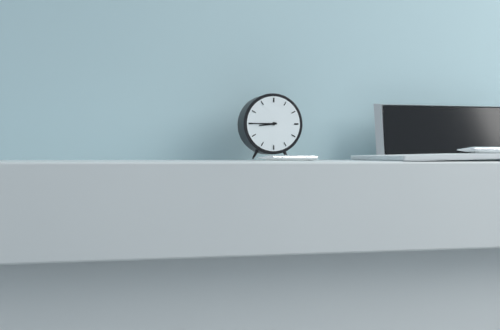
8:45
